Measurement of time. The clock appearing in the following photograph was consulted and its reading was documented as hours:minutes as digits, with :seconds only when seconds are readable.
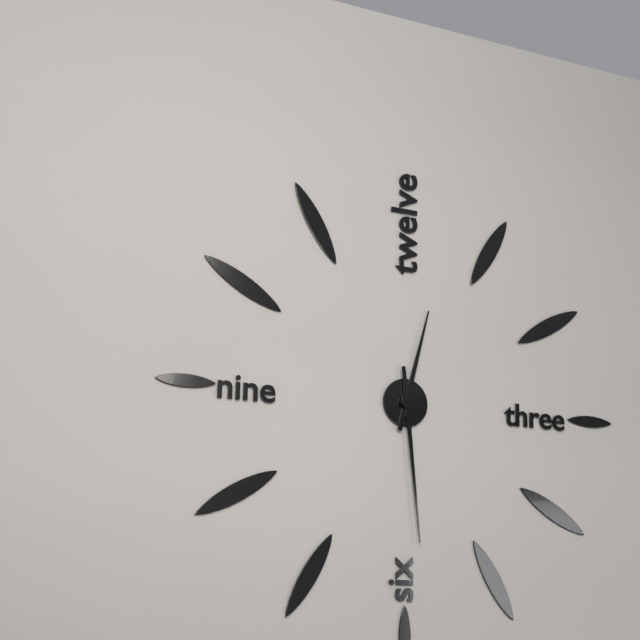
12:29
